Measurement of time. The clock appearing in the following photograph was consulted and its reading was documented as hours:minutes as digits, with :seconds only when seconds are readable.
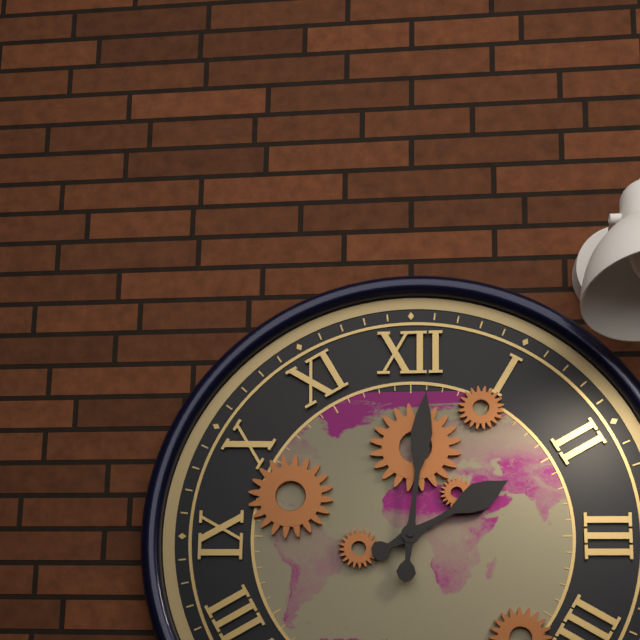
2:01
